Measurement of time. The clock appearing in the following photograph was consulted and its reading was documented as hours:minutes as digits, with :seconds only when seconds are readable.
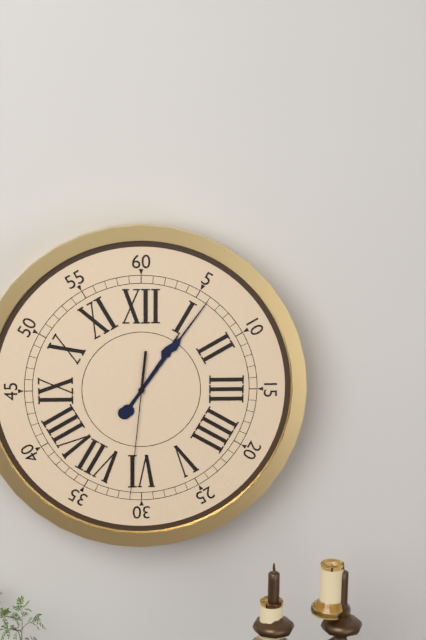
1:06:31
